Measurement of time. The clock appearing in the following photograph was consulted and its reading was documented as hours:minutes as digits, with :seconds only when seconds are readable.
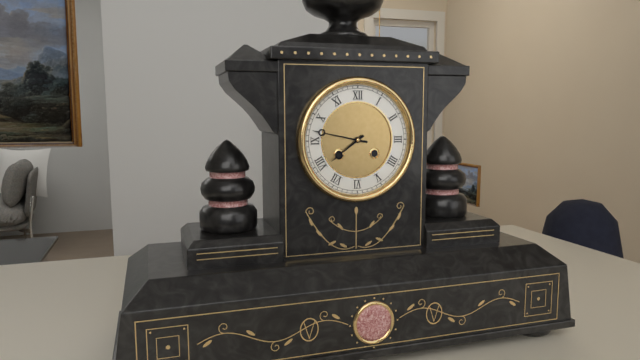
7:47
